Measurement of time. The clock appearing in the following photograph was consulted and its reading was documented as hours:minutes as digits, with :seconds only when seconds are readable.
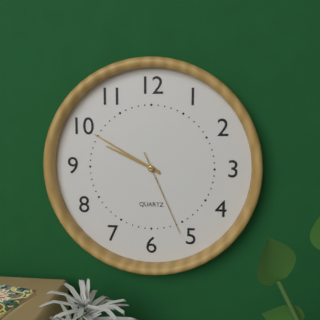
9:50:26
